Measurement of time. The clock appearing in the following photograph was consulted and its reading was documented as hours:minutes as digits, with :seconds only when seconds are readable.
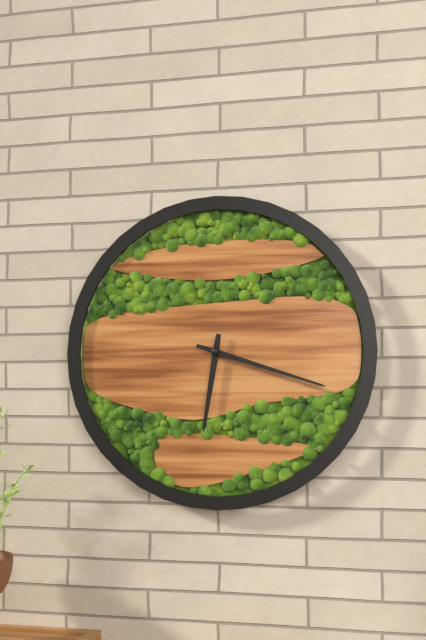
6:18
